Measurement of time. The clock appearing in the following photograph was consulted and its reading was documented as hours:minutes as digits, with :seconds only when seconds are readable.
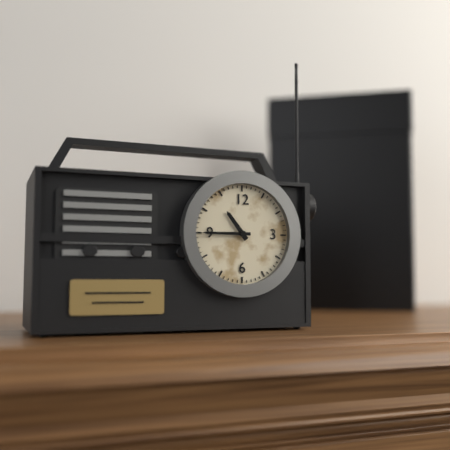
10:45
